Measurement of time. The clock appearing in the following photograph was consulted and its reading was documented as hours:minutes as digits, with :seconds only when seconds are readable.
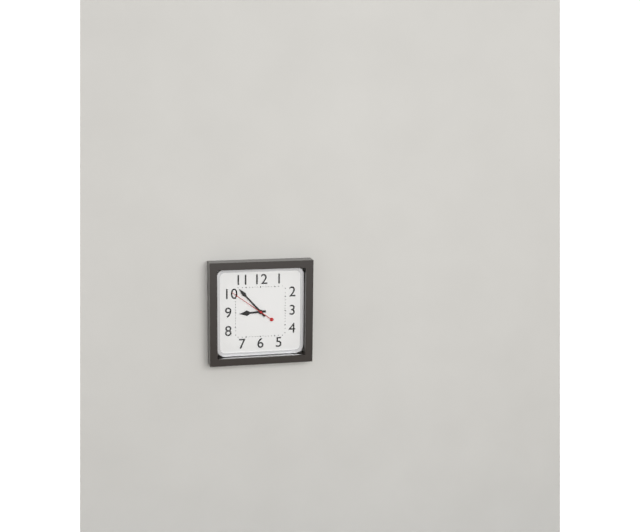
8:53
